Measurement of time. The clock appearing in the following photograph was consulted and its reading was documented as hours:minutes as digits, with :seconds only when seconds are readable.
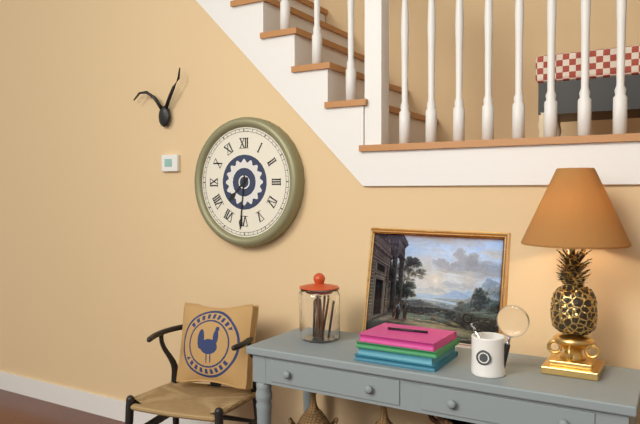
7:31
